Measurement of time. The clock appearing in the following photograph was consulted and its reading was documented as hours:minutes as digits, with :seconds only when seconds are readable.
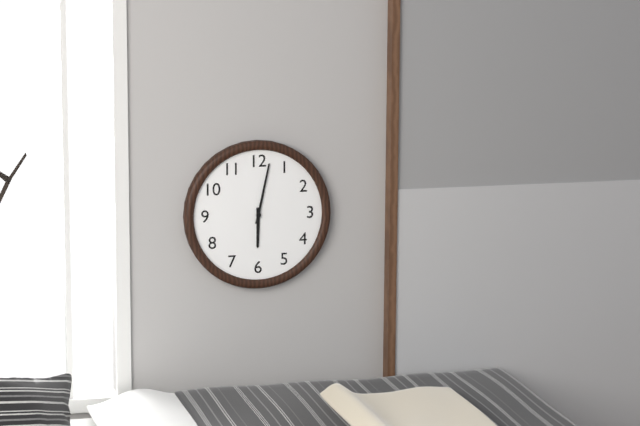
6:02
